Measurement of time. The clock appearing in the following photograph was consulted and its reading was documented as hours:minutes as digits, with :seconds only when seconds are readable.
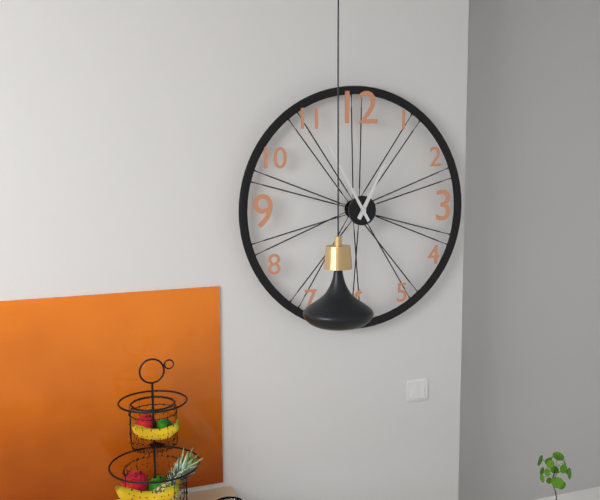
12:55
